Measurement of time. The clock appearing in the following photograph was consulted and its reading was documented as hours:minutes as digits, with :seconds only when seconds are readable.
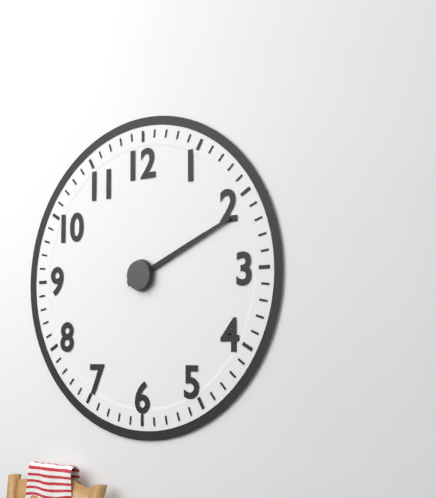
2:11
